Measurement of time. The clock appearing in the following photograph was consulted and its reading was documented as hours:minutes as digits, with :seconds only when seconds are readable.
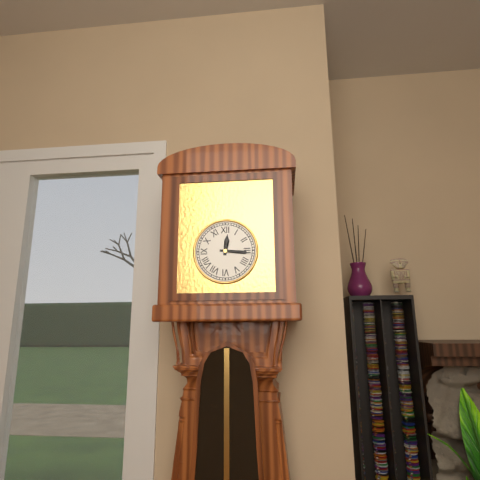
12:16
